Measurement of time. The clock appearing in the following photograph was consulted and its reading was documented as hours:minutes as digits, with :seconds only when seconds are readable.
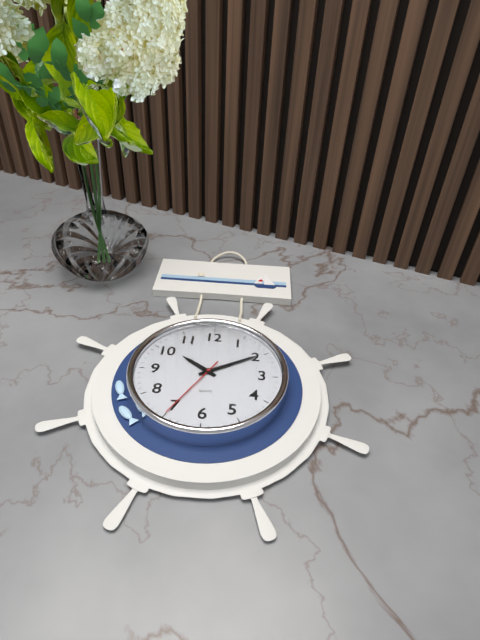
10:10:35
